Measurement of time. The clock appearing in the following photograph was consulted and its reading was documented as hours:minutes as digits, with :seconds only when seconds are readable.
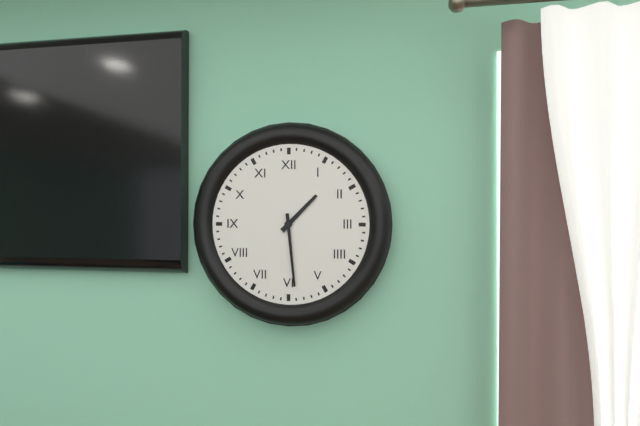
1:29
